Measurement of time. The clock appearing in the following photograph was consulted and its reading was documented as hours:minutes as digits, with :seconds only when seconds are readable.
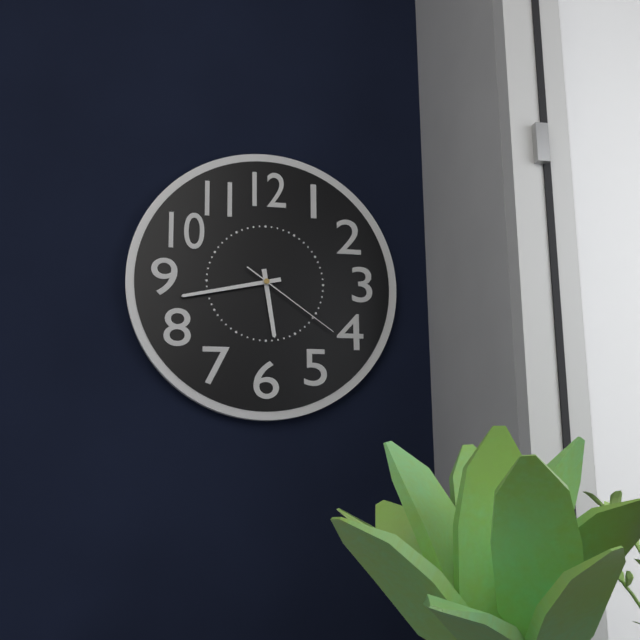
5:43:21
